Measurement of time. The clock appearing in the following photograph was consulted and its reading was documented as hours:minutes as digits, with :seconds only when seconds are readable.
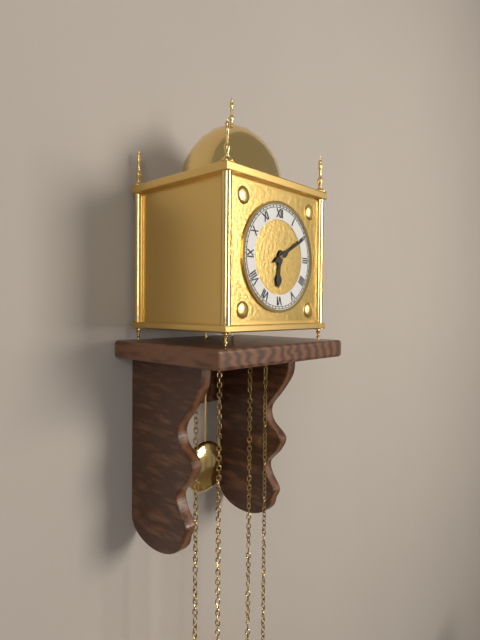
6:10
